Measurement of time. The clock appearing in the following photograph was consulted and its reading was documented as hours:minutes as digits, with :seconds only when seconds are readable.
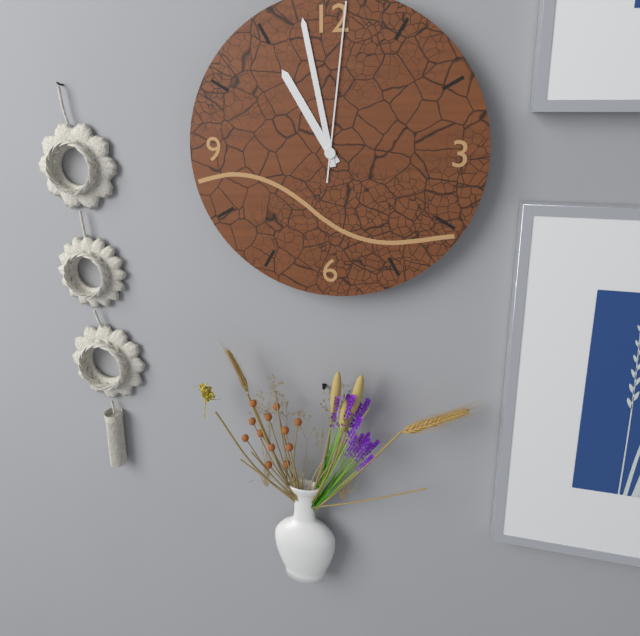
10:58:01
